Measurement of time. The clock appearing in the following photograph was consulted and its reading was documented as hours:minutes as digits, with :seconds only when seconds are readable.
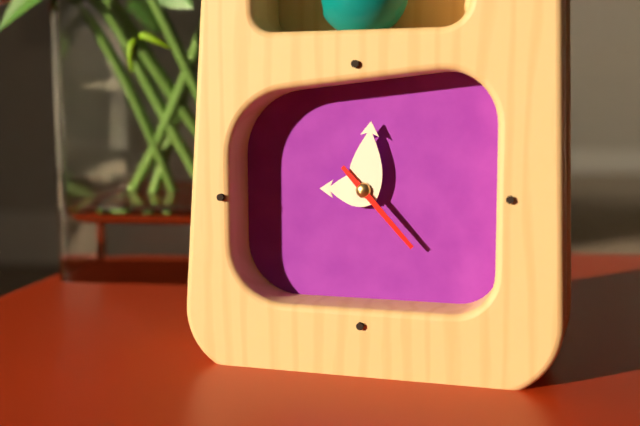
9:01:23
